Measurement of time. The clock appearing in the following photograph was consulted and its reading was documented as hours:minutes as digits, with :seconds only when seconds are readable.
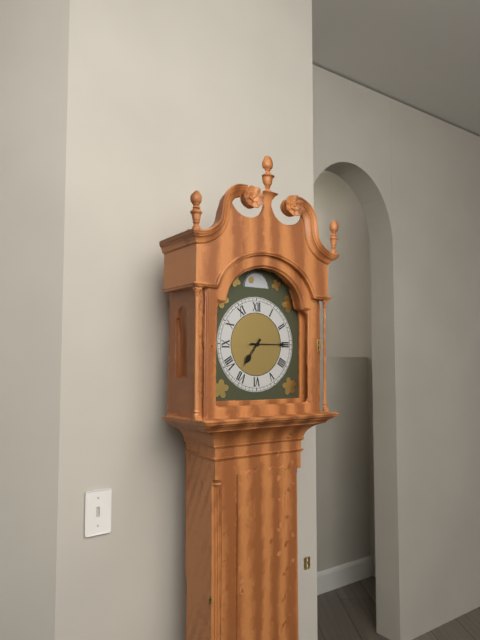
7:15
